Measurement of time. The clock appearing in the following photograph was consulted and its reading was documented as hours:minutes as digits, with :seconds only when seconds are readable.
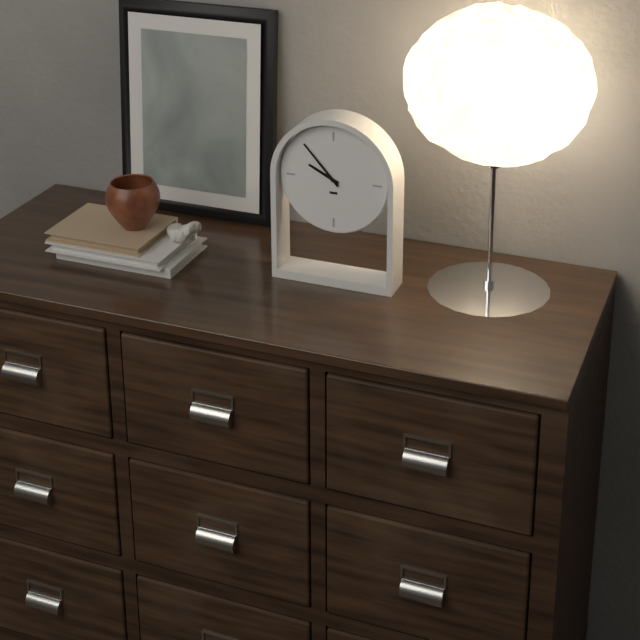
9:53
